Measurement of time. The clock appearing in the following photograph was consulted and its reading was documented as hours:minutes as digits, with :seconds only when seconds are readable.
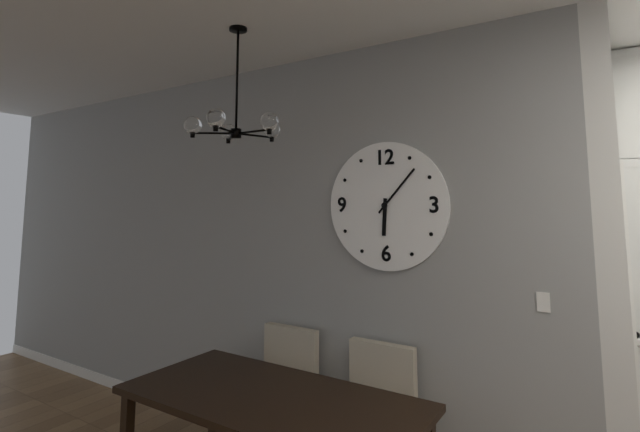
6:07
